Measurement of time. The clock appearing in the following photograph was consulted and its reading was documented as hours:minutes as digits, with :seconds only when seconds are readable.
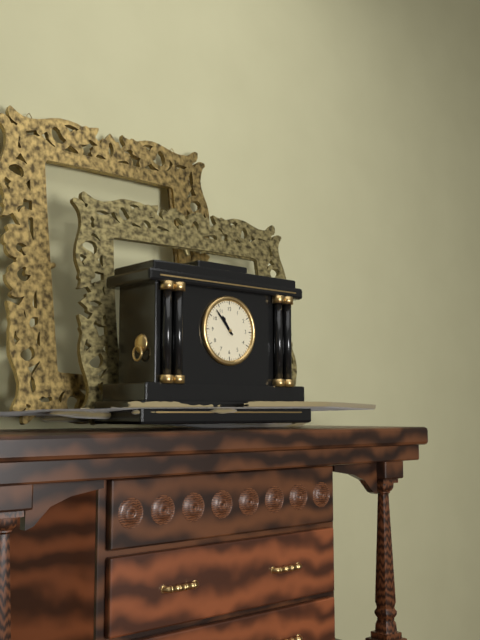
10:53
